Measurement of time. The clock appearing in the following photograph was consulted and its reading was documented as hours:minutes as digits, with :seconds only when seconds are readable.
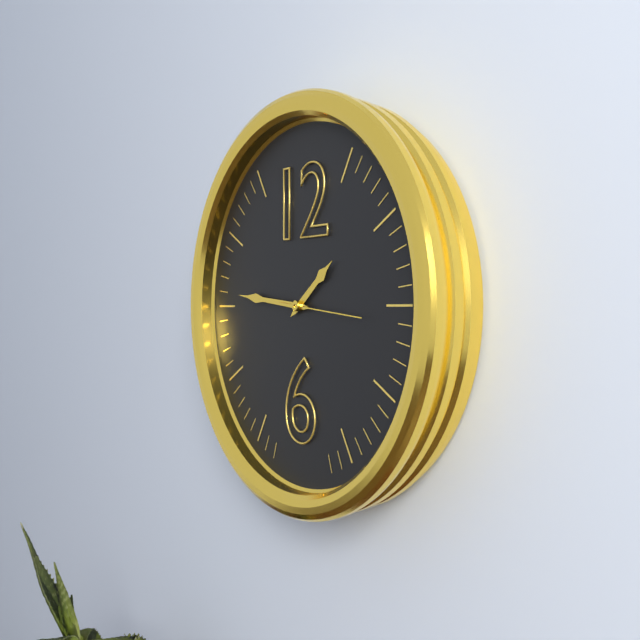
1:46
